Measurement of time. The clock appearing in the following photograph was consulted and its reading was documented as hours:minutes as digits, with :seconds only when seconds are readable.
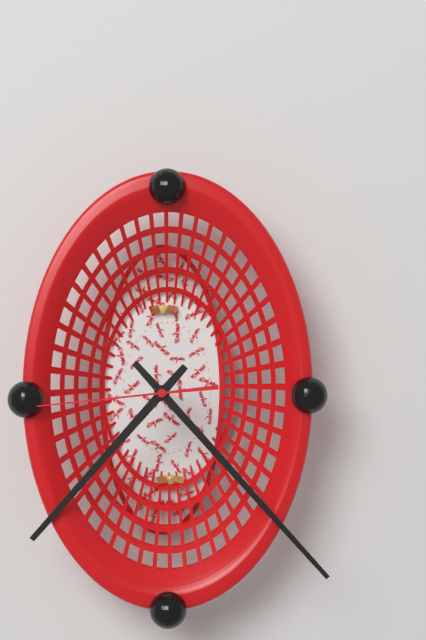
7:23:44
